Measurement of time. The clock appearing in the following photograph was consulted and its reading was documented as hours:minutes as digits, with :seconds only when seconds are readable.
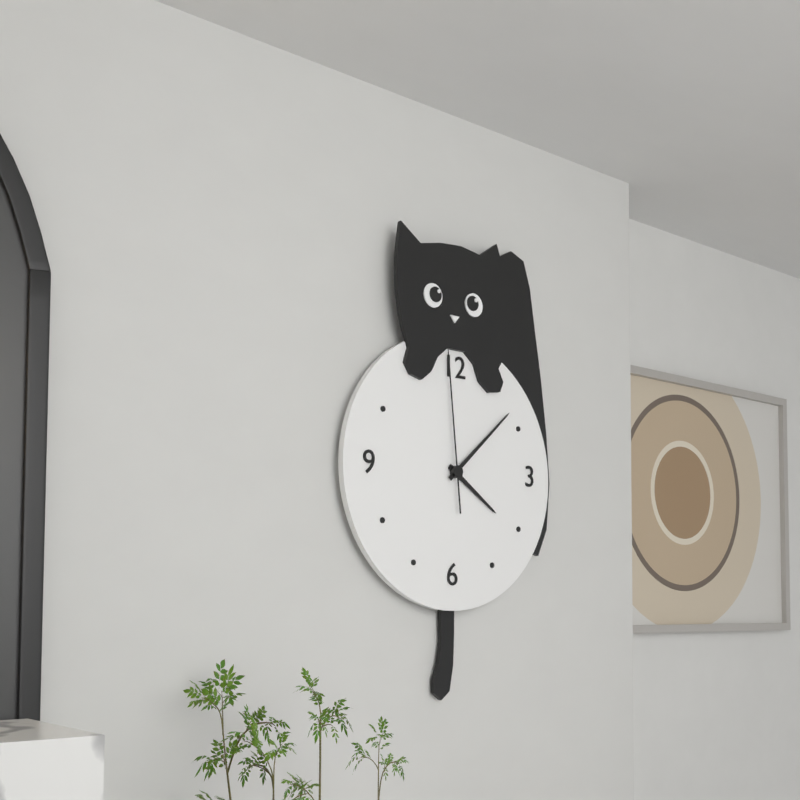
4:08:59
